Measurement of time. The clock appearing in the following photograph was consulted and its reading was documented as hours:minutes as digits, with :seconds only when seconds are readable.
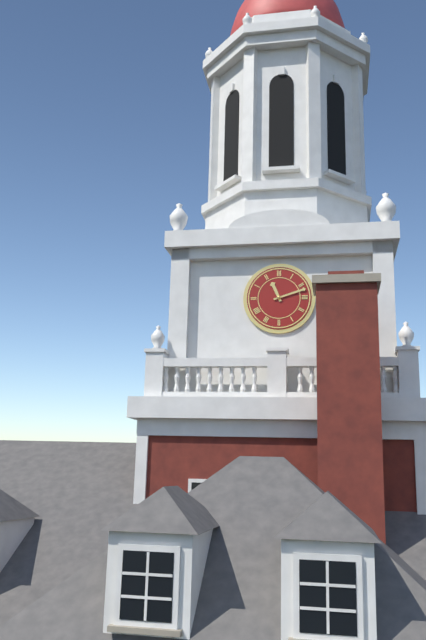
11:12
